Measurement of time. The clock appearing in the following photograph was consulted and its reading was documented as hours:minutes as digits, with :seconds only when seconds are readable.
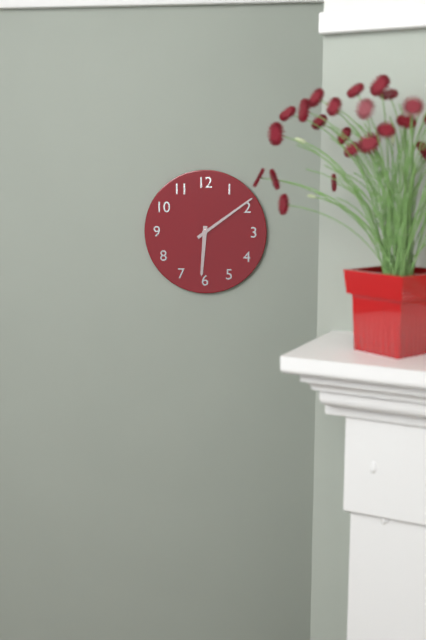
6:09
